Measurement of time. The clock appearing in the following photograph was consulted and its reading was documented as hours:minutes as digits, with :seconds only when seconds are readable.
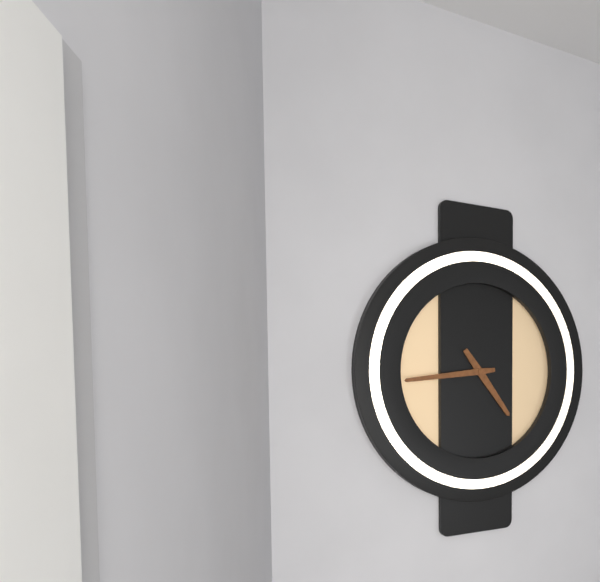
4:44
